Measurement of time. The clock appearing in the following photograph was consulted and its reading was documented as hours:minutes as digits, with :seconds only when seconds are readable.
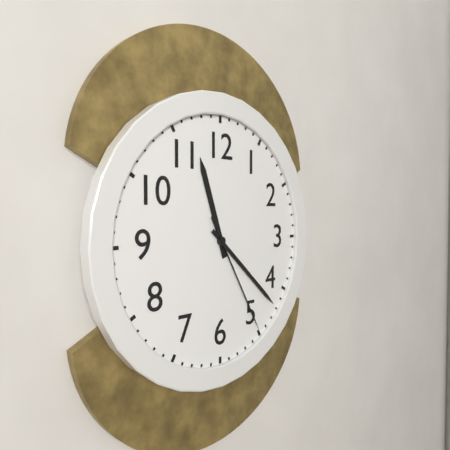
11:22:25
